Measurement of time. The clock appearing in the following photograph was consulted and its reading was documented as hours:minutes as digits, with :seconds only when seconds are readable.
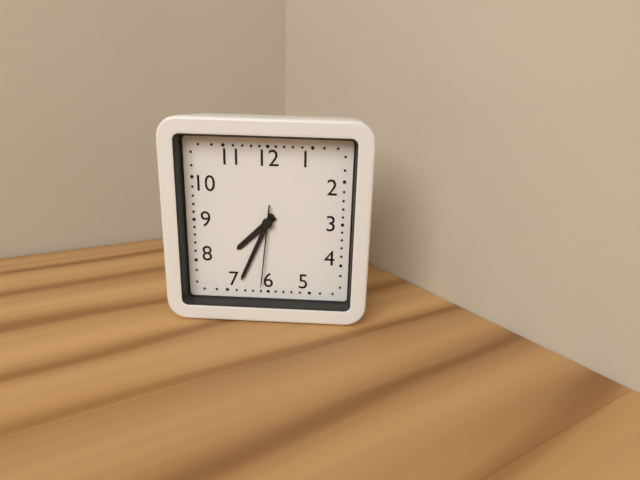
7:34:31
